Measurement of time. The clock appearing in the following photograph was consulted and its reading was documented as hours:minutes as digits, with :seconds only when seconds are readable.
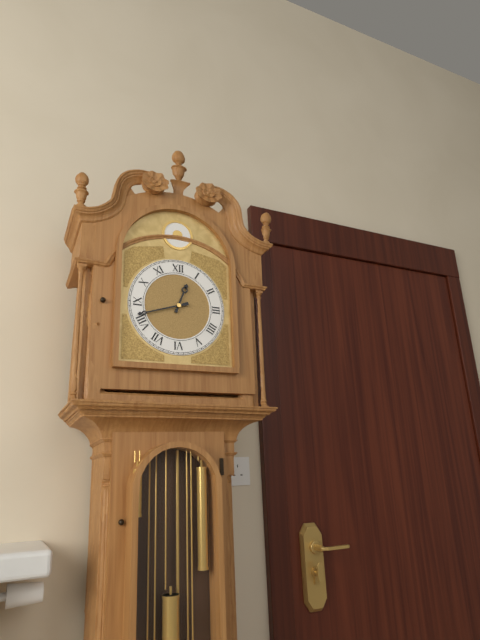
12:42
